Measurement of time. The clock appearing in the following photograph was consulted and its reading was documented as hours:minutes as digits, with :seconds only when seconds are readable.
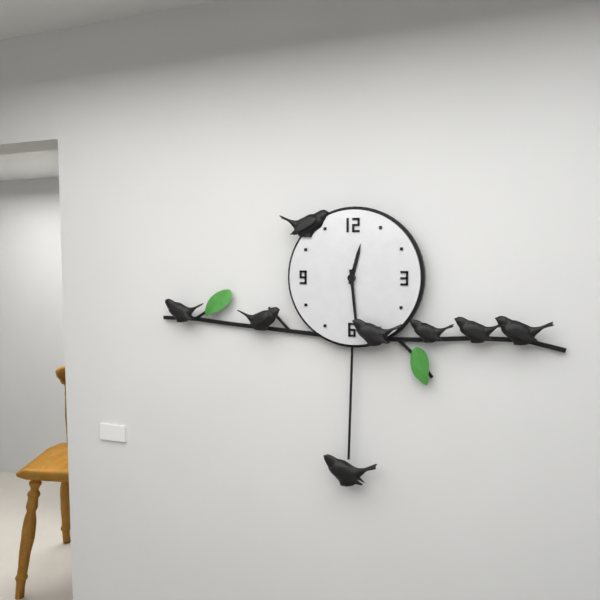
12:29
